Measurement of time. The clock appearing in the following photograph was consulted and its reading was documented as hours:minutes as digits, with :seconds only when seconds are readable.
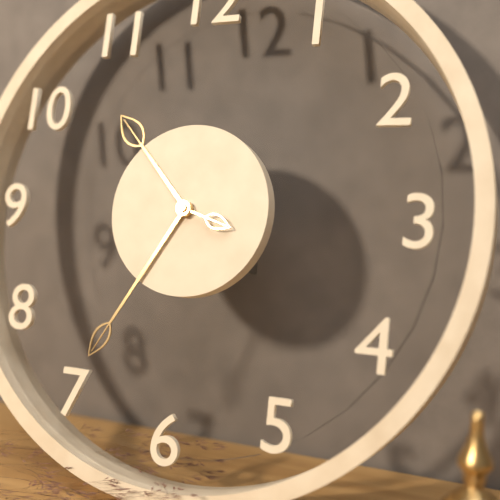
10:35:18
